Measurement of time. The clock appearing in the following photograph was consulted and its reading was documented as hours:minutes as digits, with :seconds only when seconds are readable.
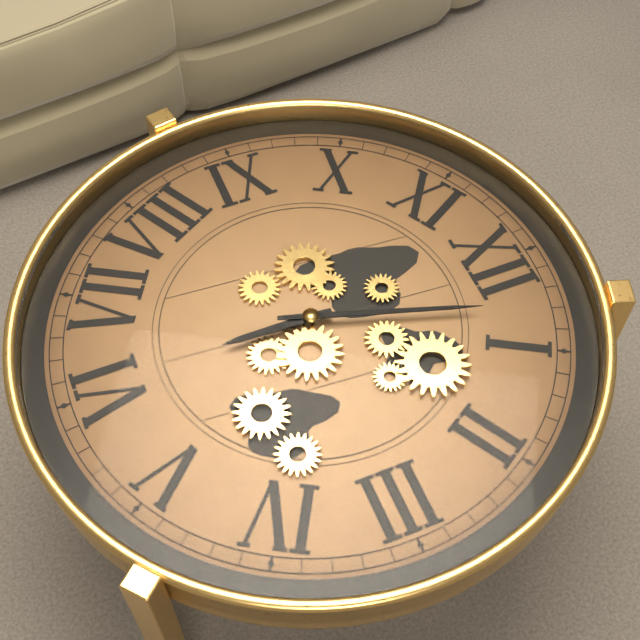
6:03
